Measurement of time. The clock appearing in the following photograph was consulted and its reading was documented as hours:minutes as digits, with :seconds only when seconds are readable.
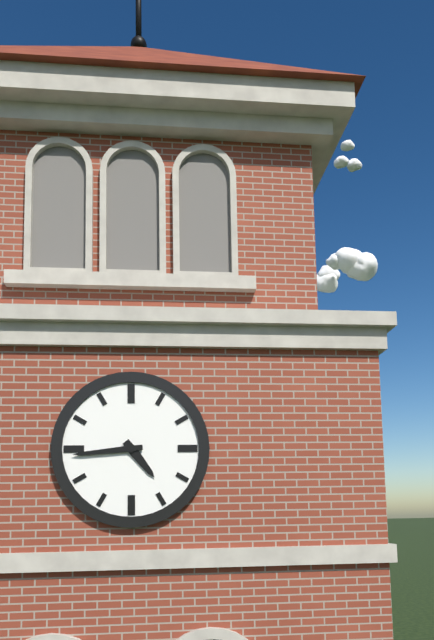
4:44
